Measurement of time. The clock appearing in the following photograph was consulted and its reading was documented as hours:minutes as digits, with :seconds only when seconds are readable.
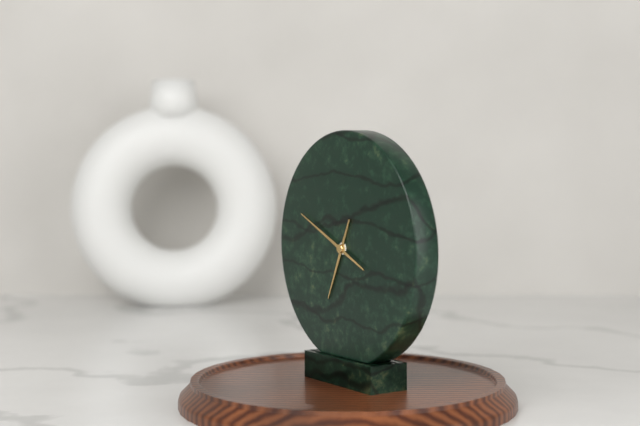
6:49
